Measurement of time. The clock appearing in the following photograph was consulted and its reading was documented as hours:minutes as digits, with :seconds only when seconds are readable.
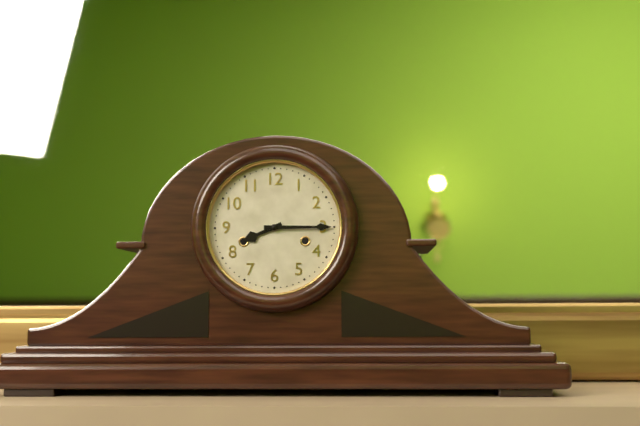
8:15
